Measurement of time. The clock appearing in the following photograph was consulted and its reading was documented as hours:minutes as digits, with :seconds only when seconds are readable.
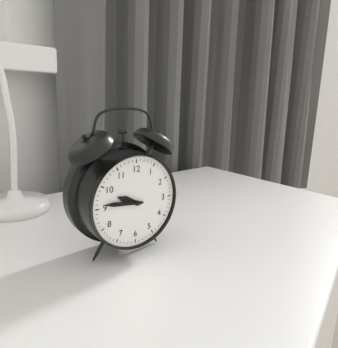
9:46
